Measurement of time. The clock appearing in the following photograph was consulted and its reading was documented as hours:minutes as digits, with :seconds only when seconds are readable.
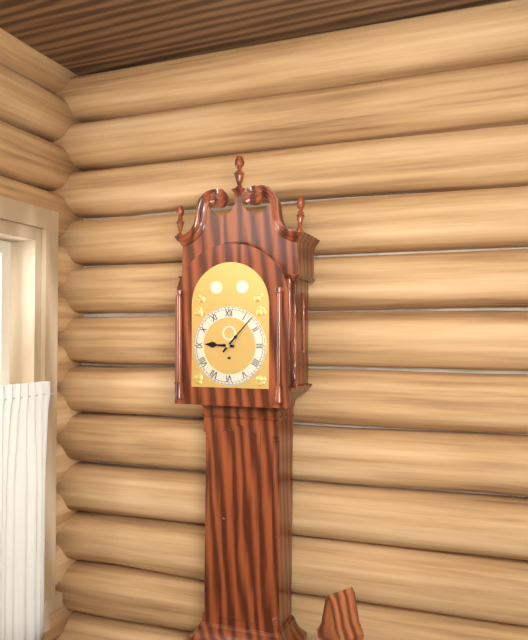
9:07
